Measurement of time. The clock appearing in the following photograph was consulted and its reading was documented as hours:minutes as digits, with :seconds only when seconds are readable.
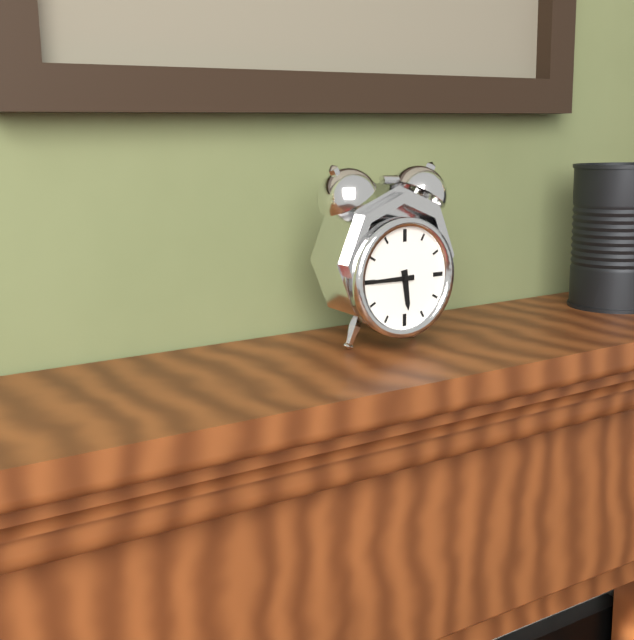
5:45
